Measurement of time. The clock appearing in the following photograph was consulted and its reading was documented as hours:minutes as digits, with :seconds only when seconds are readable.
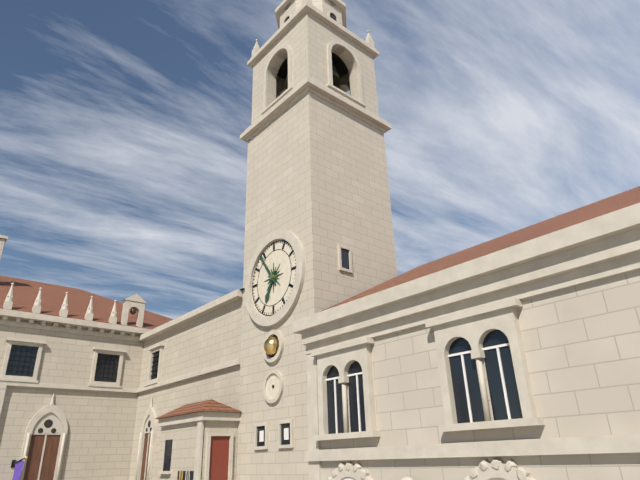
6:54
